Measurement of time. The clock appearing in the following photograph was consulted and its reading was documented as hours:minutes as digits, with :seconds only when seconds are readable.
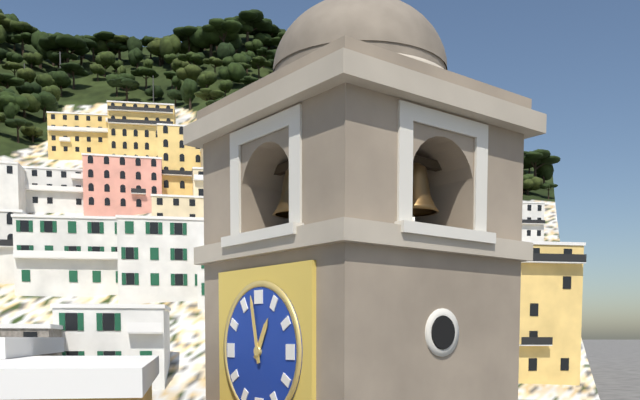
12:58
